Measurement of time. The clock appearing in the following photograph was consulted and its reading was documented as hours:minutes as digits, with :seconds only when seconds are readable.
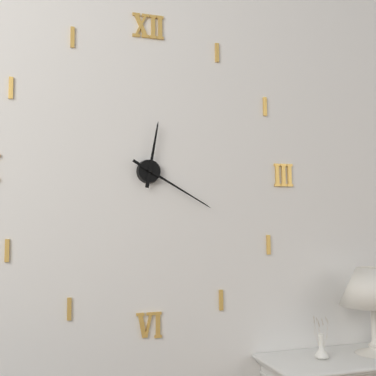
12:20
